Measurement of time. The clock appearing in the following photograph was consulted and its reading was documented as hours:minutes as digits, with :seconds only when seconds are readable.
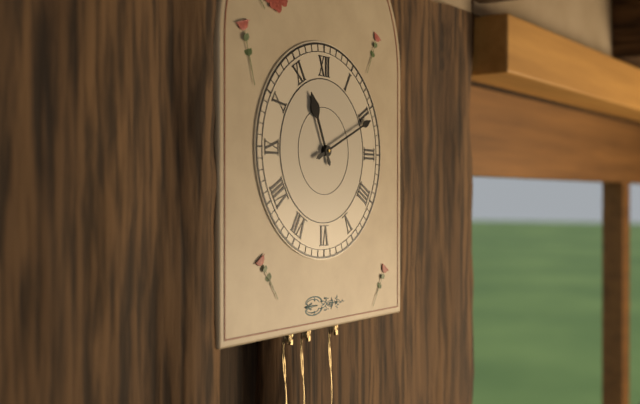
11:11
